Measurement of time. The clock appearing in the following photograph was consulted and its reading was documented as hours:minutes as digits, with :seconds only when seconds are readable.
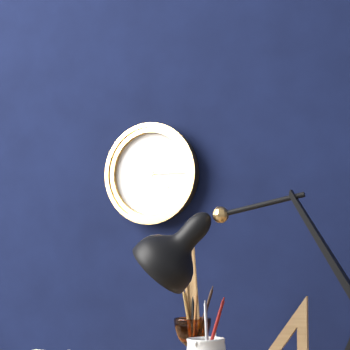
4:15
